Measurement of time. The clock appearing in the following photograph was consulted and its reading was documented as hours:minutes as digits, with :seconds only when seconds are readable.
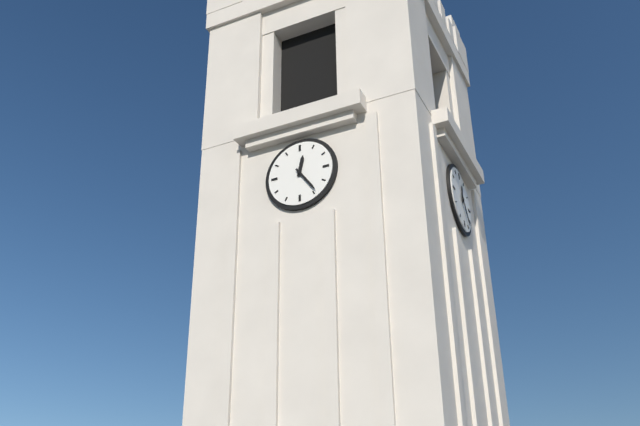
12:24
